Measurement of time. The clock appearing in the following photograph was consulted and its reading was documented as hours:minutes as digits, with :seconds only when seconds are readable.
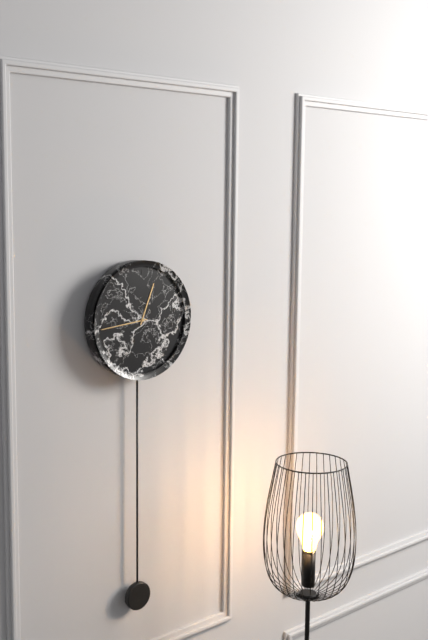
12:44
